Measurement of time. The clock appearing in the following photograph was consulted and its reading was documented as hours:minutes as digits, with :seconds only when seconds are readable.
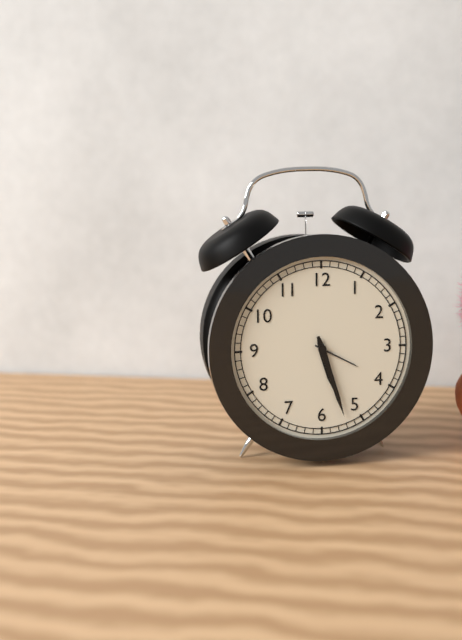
5:27
